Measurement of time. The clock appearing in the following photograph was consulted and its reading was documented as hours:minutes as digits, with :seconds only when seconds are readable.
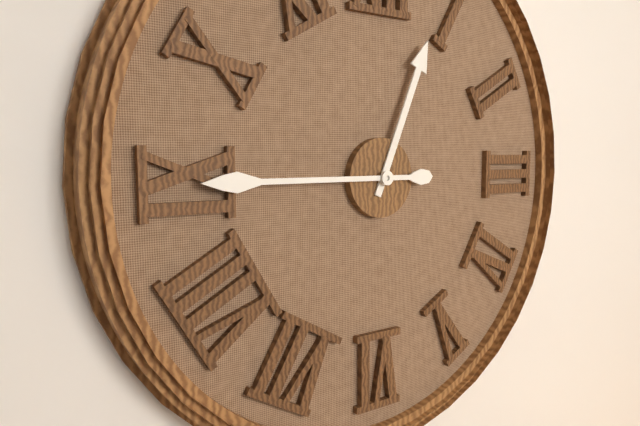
12:45
